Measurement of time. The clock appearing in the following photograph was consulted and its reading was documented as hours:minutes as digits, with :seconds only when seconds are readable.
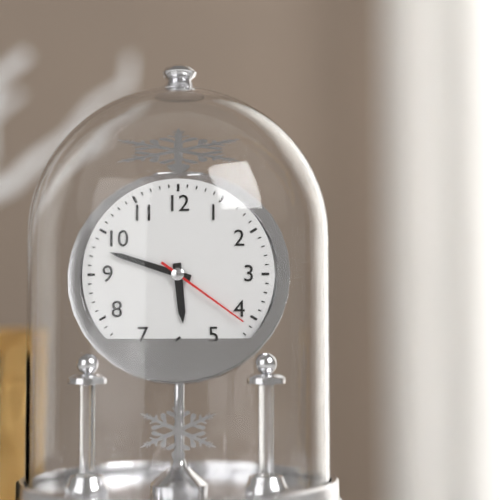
5:48:21
